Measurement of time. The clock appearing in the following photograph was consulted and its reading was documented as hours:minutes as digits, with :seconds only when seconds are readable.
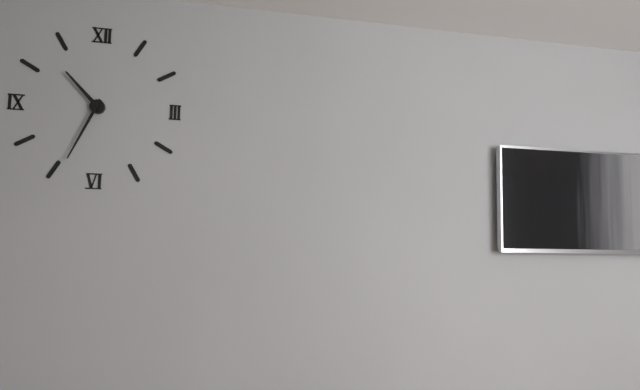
10:34
